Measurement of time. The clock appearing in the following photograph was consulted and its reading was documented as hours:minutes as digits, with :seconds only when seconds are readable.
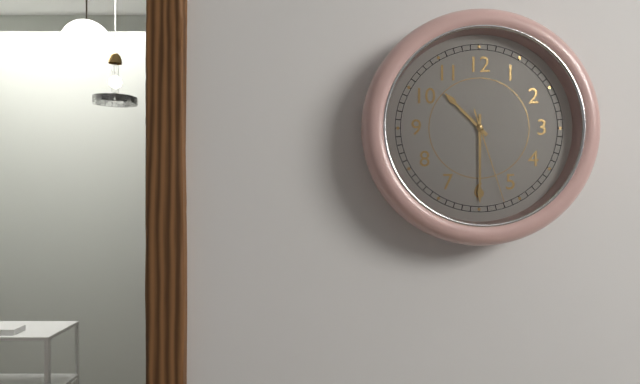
10:30:27
